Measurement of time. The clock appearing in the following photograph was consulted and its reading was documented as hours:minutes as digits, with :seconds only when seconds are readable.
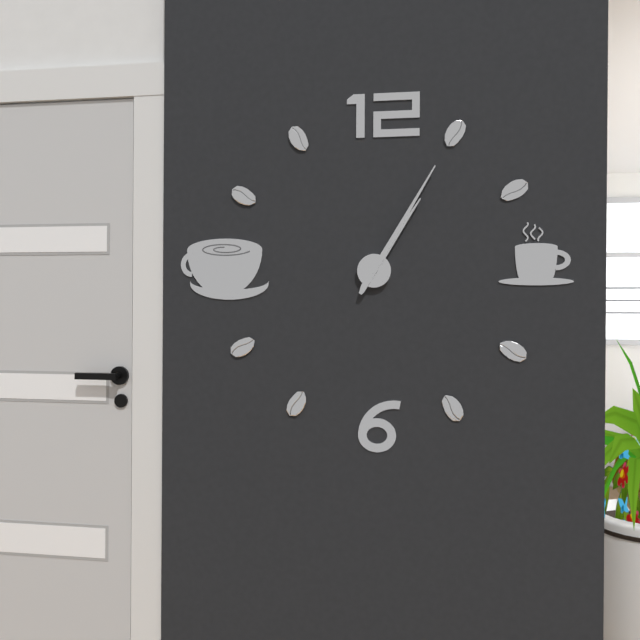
1:05
